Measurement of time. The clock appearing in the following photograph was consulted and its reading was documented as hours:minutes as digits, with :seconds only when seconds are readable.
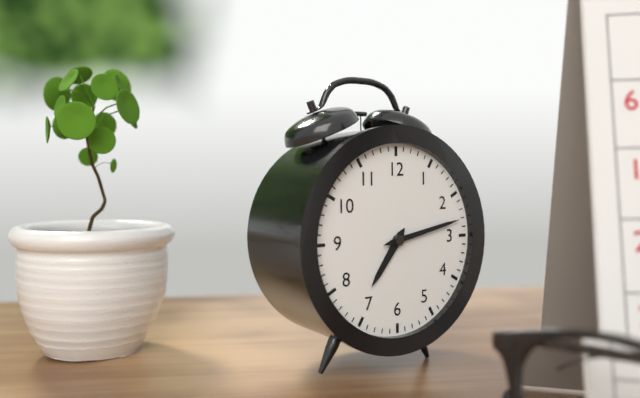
7:13
